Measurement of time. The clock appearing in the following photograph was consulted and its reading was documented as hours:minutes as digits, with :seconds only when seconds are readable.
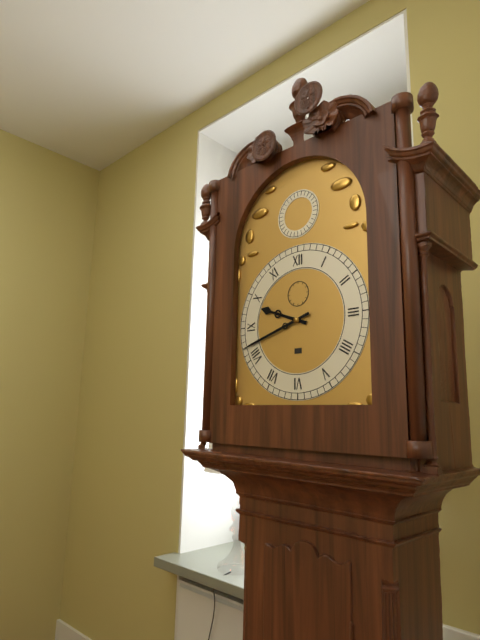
9:42
